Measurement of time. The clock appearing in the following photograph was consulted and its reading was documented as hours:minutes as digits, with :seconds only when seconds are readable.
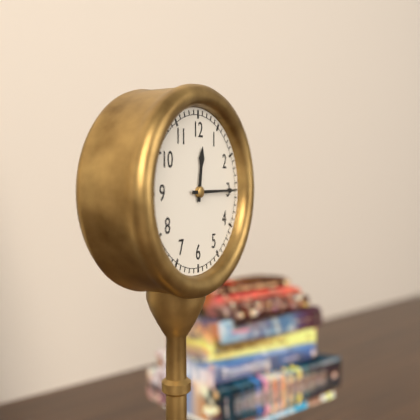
12:15
